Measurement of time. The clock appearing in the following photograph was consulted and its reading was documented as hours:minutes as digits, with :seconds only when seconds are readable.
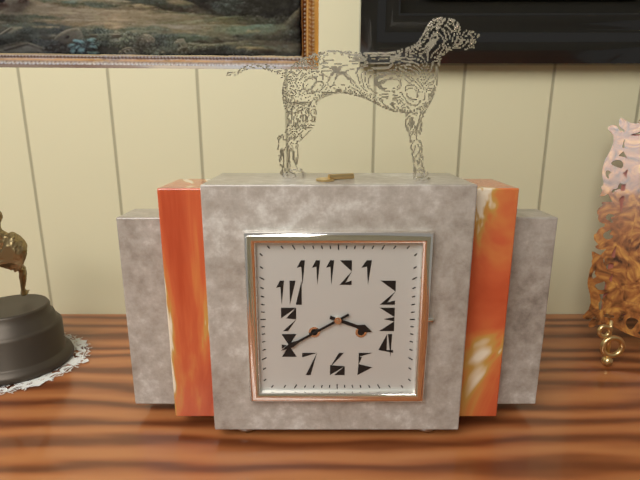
3:40
